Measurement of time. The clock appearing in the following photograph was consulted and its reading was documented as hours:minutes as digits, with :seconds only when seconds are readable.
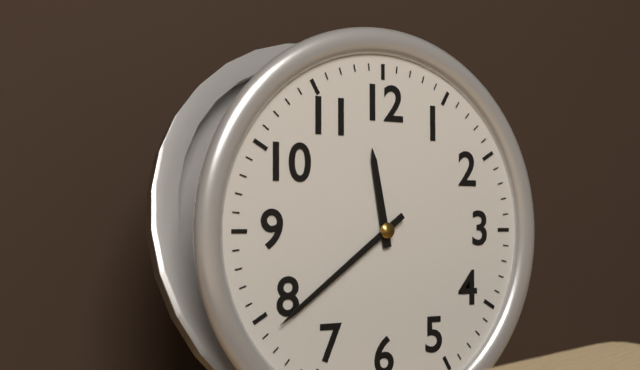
11:39
